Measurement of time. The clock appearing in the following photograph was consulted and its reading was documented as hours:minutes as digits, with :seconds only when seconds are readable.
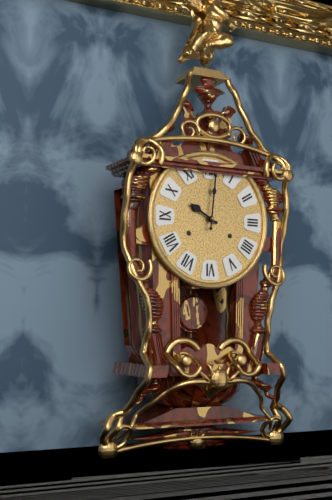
10:01
